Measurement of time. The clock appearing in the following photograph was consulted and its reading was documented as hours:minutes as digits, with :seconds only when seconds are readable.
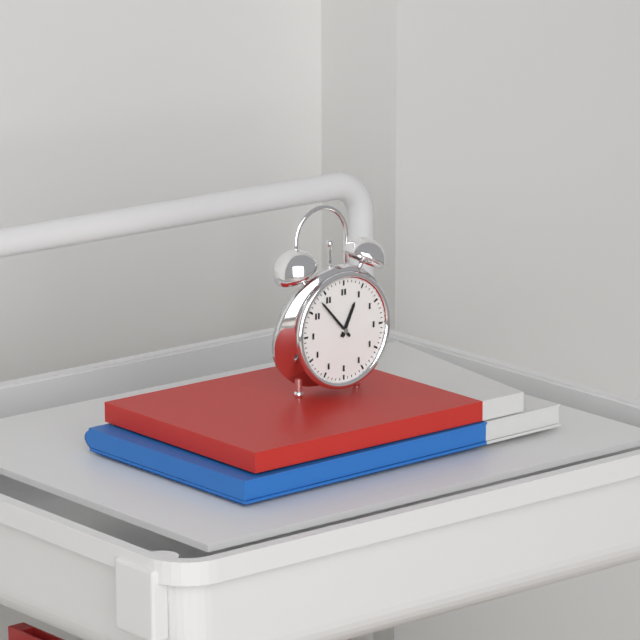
12:53
